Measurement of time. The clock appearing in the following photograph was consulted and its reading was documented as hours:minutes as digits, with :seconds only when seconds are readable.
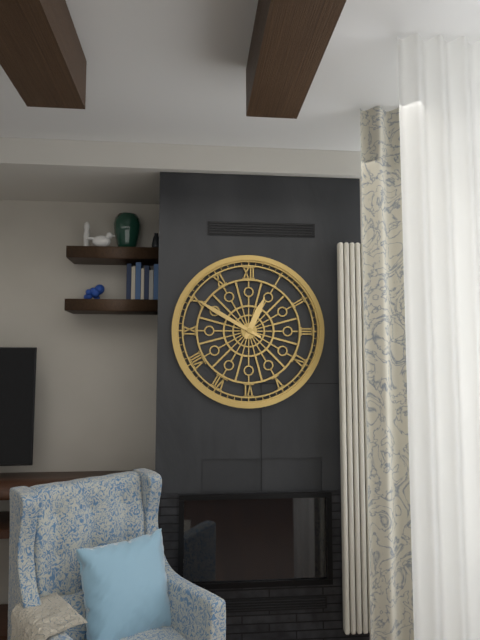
12:50
